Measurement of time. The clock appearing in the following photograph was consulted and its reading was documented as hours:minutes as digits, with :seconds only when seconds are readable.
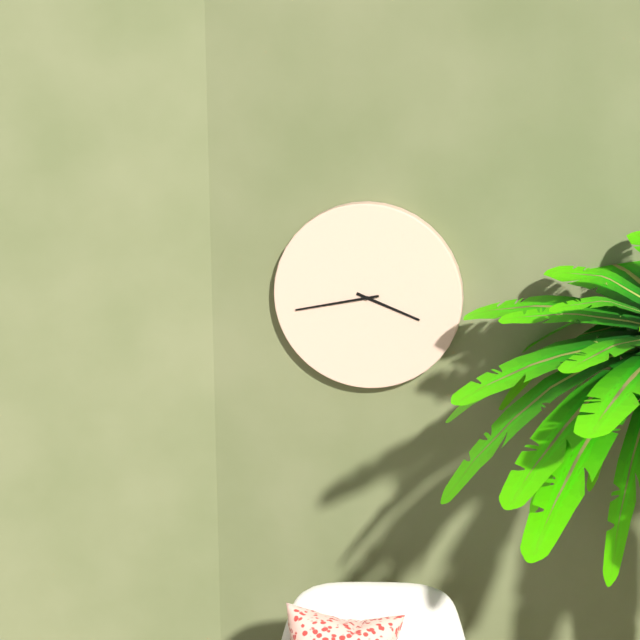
3:43
